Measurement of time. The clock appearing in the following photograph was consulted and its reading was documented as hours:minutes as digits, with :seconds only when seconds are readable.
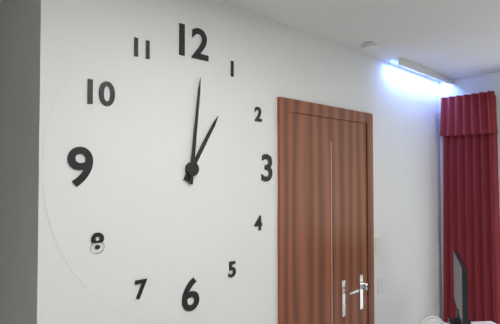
1:01
